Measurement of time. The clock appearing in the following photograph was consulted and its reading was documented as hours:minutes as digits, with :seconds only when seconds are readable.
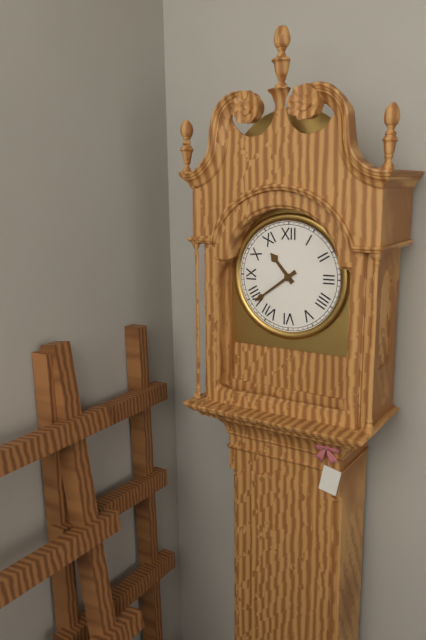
10:39
